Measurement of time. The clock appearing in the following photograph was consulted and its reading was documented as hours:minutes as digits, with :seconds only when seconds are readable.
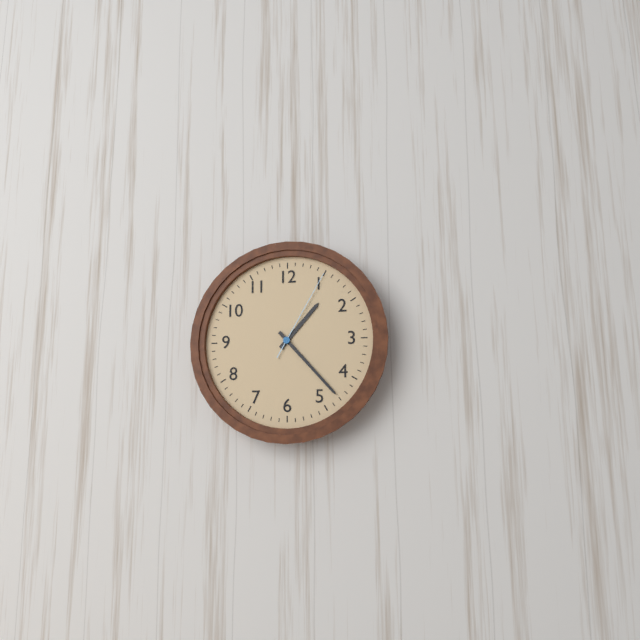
1:23:05
